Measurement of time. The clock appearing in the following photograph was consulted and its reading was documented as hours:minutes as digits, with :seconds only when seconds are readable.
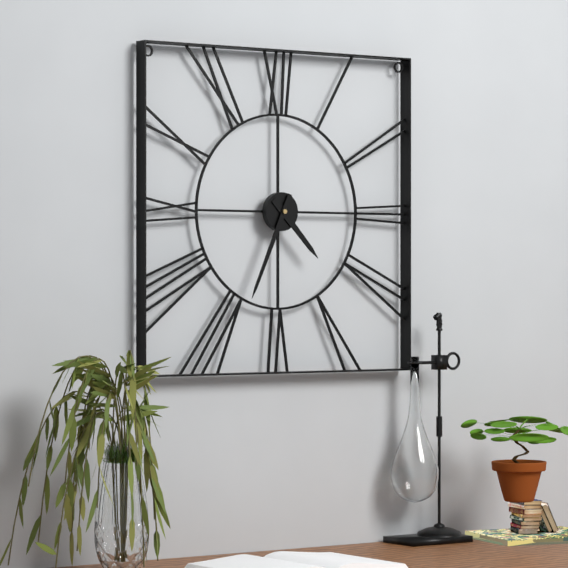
4:34
